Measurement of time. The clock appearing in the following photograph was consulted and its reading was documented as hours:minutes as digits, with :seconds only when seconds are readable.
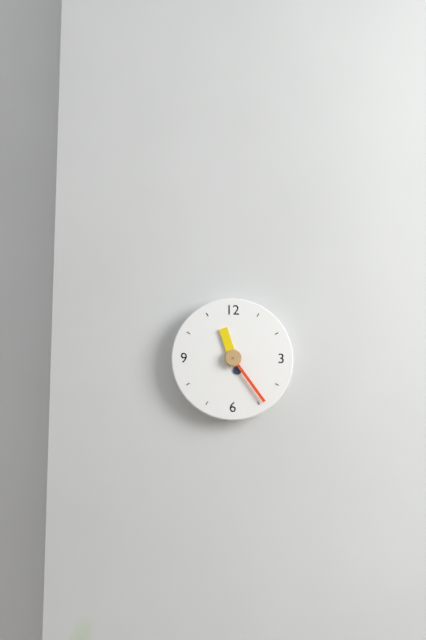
11:24
